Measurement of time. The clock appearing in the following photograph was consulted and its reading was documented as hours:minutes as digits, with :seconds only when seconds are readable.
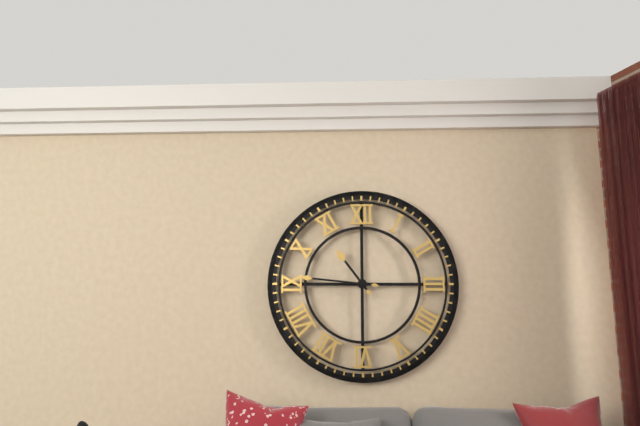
10:46
